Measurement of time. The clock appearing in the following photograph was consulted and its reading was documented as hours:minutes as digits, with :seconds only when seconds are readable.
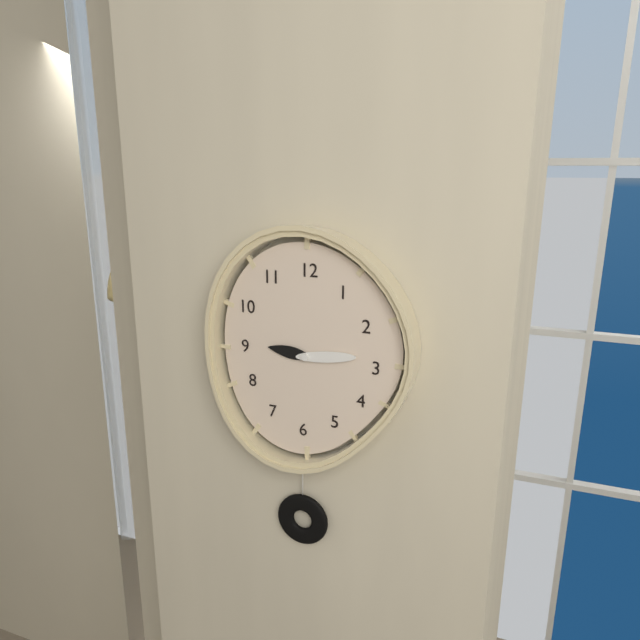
9:14
